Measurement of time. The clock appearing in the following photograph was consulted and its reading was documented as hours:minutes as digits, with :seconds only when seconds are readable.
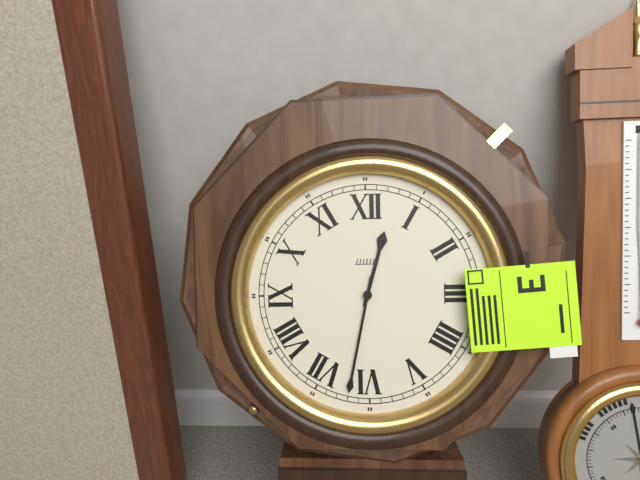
12:32
